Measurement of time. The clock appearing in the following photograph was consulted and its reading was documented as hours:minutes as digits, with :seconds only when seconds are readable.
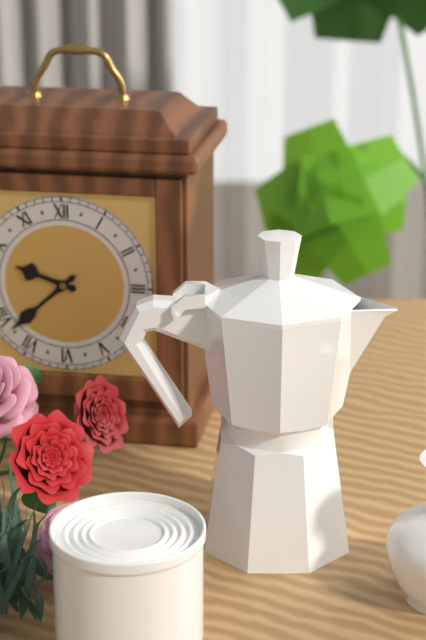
9:38
